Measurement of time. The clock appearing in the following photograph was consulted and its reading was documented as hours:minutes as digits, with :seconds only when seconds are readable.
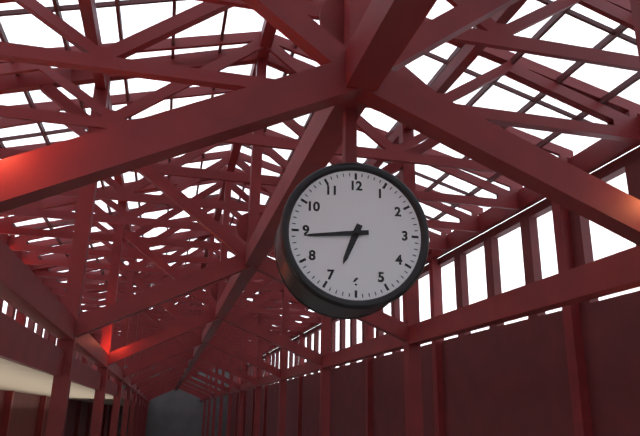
6:44
